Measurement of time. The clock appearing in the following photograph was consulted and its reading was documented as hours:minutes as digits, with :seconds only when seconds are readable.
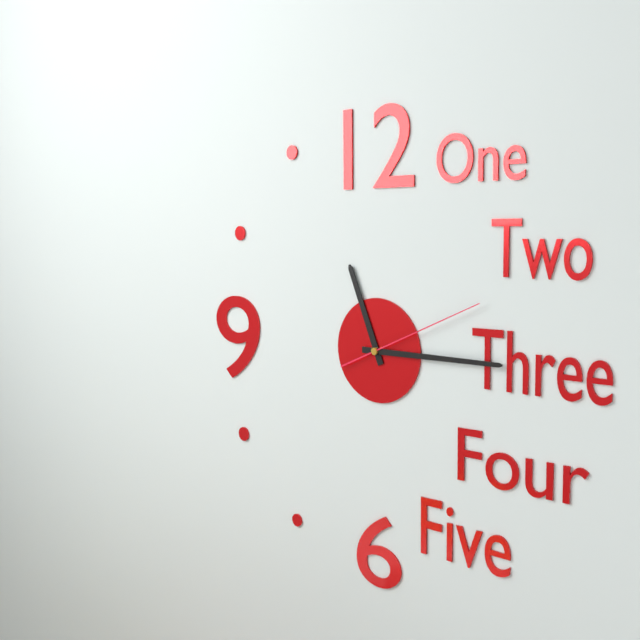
11:15:11
